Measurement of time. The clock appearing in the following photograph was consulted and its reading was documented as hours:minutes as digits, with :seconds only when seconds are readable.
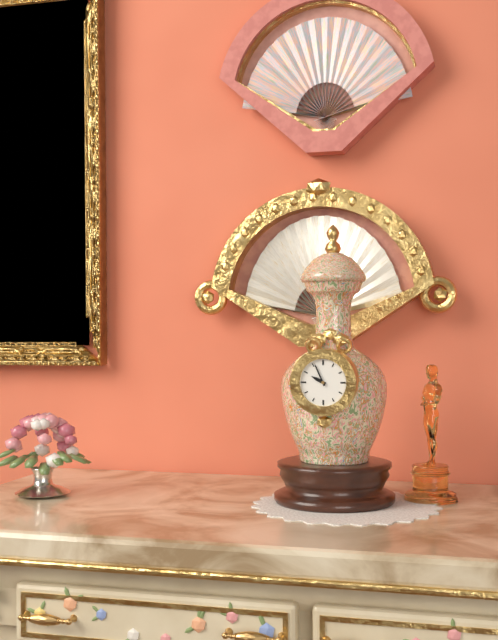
9:56
